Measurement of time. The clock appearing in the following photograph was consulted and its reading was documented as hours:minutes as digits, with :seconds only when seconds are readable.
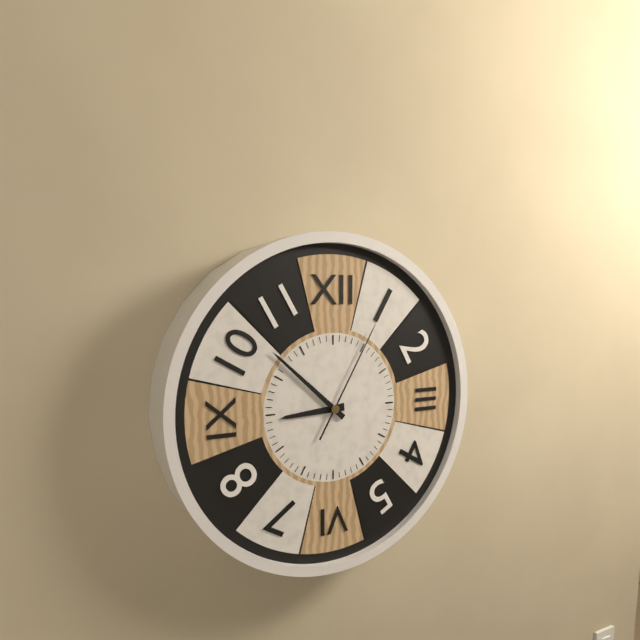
8:52:05
